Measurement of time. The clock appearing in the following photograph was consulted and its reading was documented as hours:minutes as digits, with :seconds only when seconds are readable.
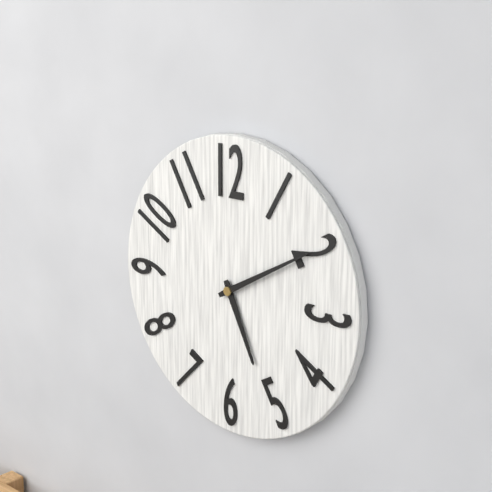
5:10
